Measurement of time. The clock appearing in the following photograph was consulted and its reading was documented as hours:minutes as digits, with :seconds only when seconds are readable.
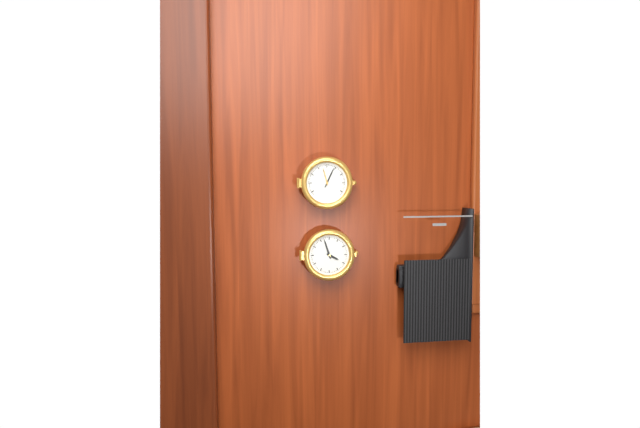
3:57
